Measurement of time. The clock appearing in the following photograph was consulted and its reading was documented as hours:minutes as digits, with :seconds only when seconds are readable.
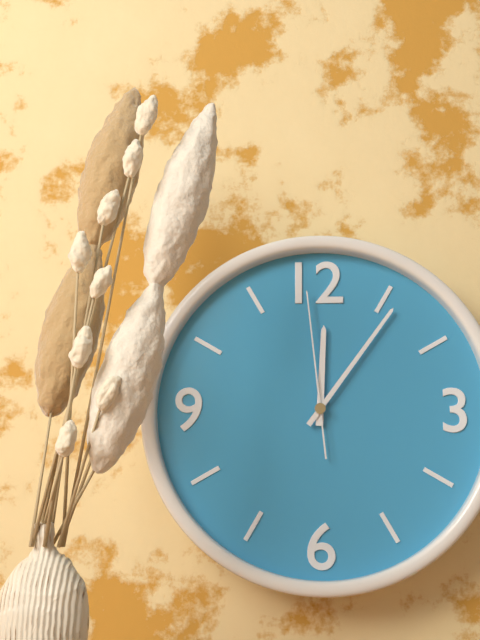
12:06:59
